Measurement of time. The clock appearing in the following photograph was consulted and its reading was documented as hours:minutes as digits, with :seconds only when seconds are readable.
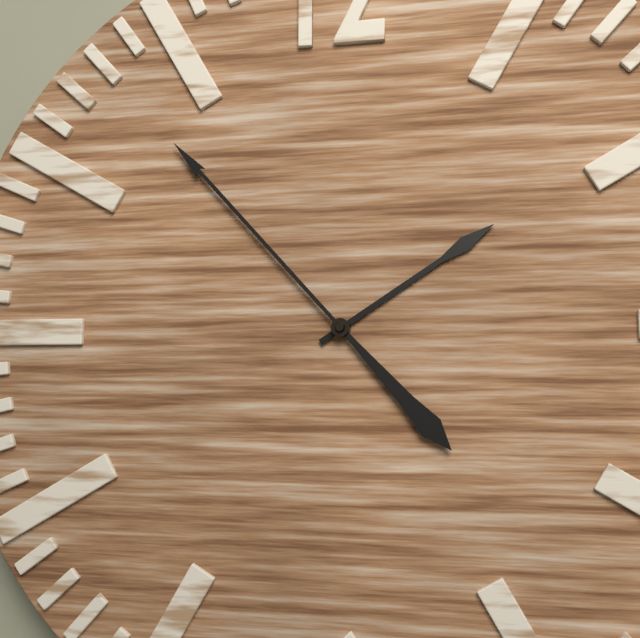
1:53
